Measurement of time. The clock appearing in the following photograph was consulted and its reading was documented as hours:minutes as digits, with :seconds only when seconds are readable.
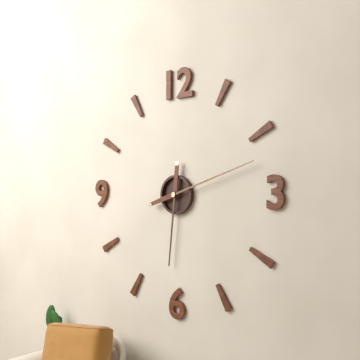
6:12
